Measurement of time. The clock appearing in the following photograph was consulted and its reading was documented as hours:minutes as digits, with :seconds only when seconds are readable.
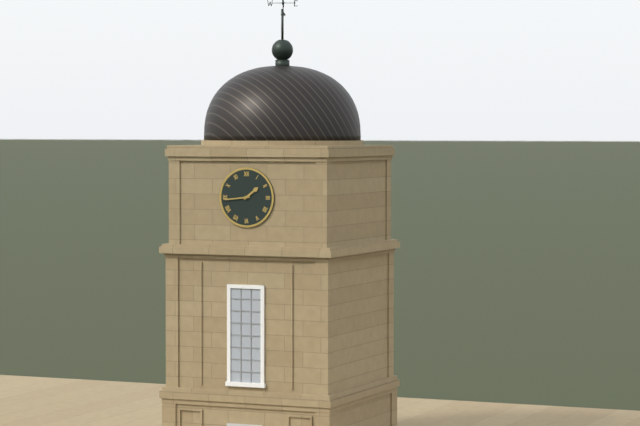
1:44
